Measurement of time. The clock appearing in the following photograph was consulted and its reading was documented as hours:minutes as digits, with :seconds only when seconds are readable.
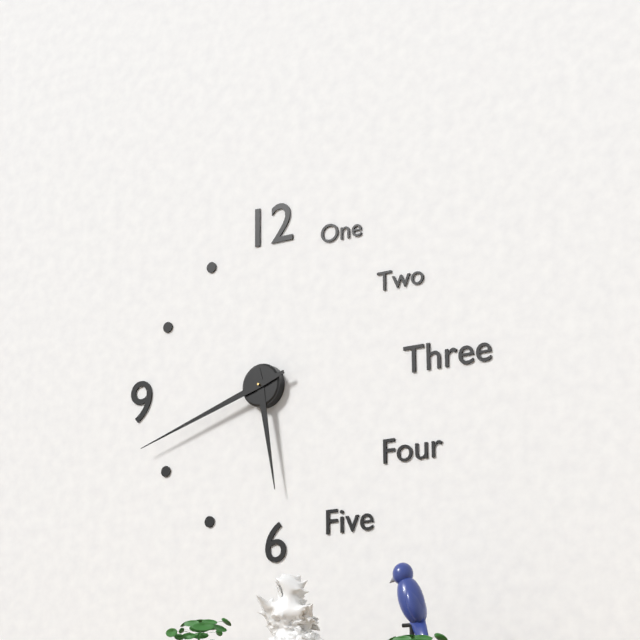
5:42
